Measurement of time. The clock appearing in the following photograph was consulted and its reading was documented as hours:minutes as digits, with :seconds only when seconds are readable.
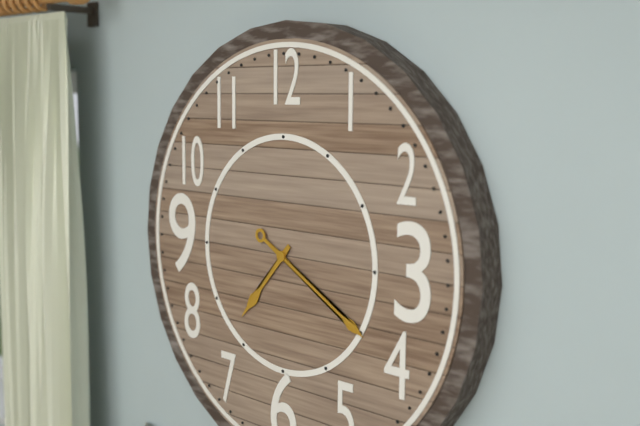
7:20
